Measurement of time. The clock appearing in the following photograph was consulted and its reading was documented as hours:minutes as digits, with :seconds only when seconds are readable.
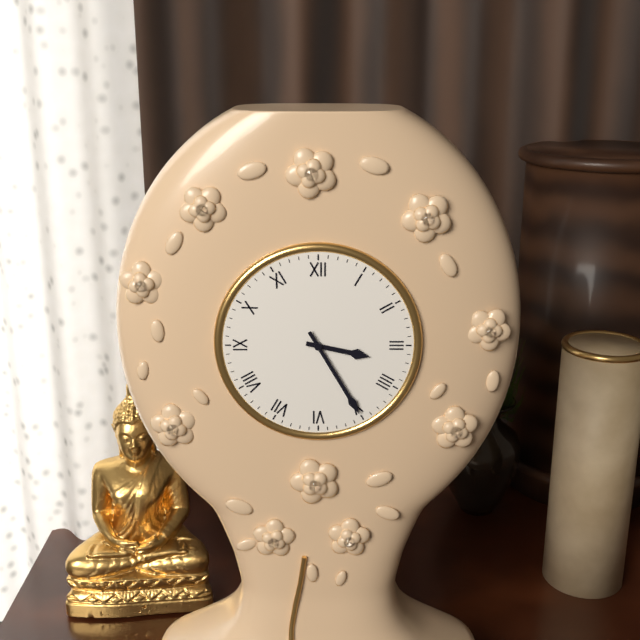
3:25
